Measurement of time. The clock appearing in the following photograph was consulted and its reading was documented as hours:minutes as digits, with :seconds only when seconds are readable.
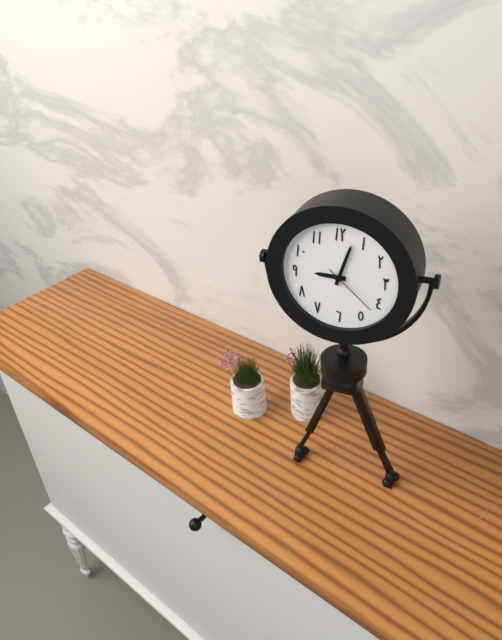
9:03:22
